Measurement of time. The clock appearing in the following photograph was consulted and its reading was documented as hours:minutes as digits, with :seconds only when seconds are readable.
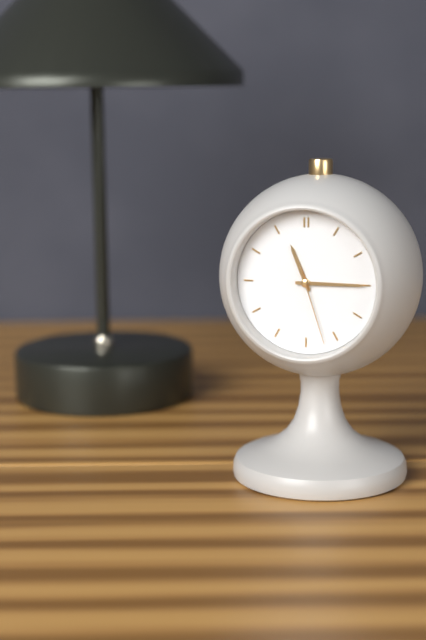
11:15:27
